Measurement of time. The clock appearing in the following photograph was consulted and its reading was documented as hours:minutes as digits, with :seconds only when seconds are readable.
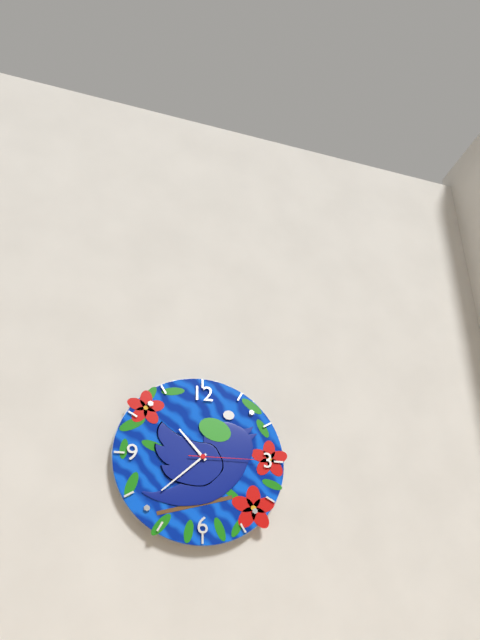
10:38:15
